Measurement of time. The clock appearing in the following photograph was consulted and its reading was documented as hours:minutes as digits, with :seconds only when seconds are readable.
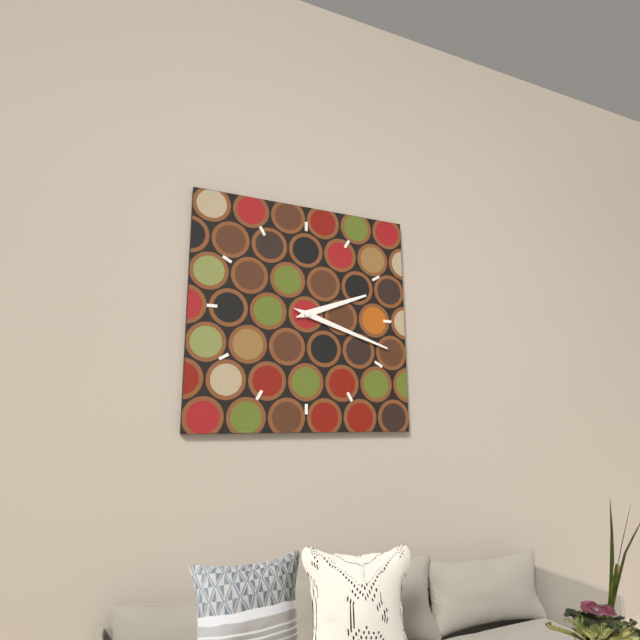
2:18
